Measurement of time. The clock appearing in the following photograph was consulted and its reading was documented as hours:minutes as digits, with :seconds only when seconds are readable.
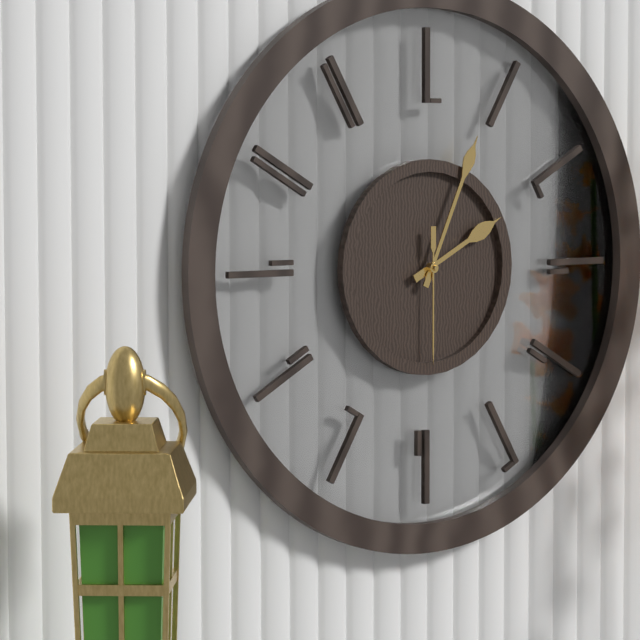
2:04:30
